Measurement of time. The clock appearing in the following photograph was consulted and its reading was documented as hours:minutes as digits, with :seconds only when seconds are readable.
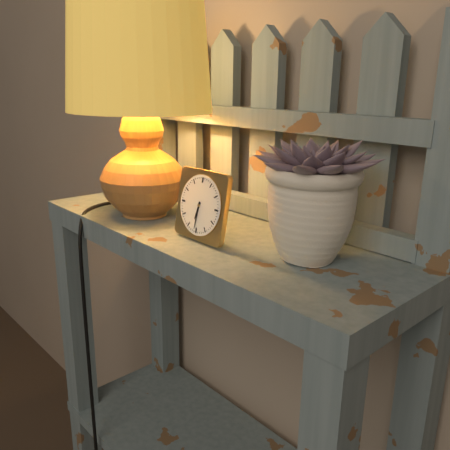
6:31
